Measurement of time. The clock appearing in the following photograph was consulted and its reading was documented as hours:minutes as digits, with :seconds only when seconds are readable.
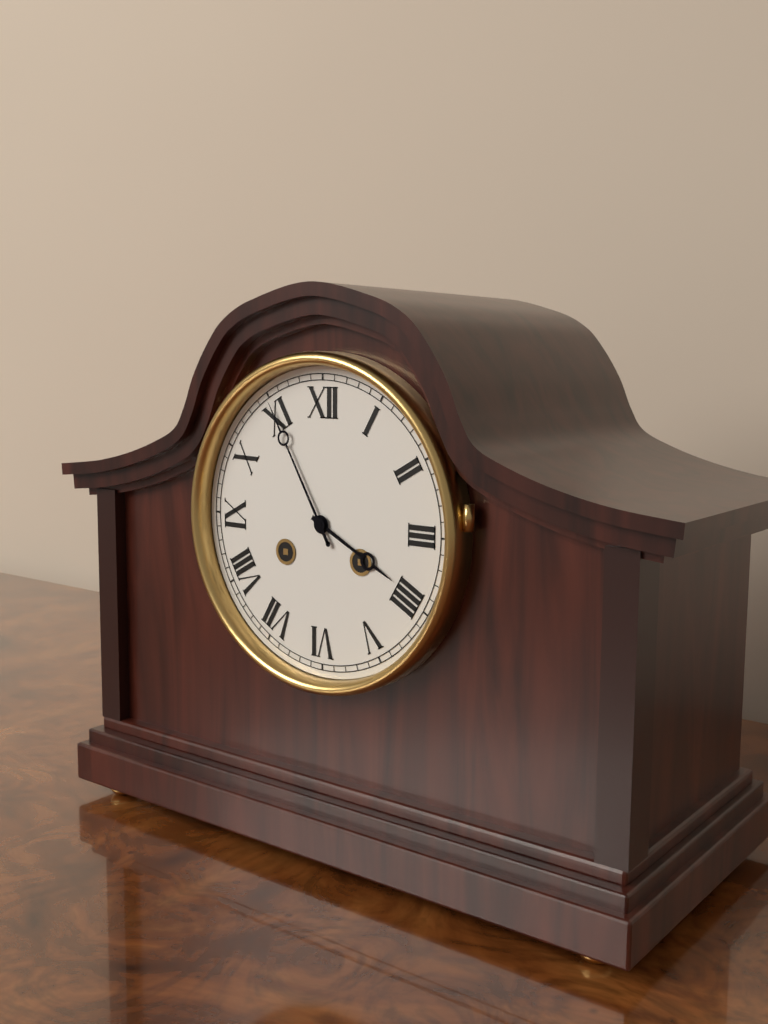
3:55
